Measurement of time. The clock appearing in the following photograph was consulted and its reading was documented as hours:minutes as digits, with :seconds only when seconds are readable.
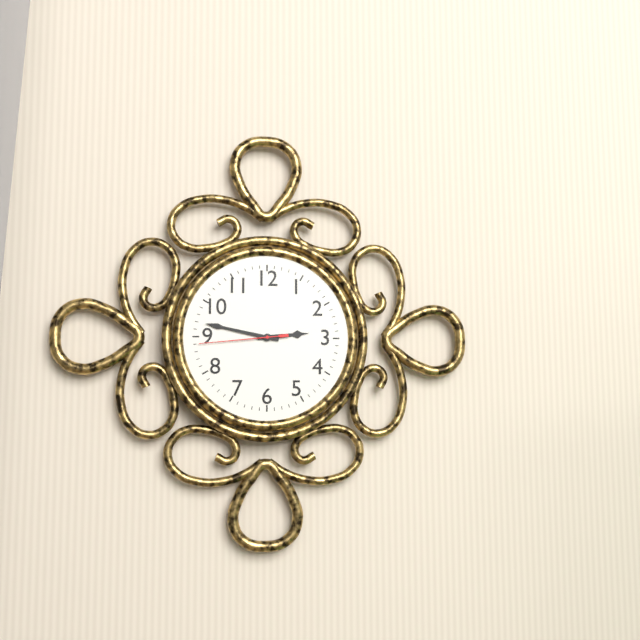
2:47:44
